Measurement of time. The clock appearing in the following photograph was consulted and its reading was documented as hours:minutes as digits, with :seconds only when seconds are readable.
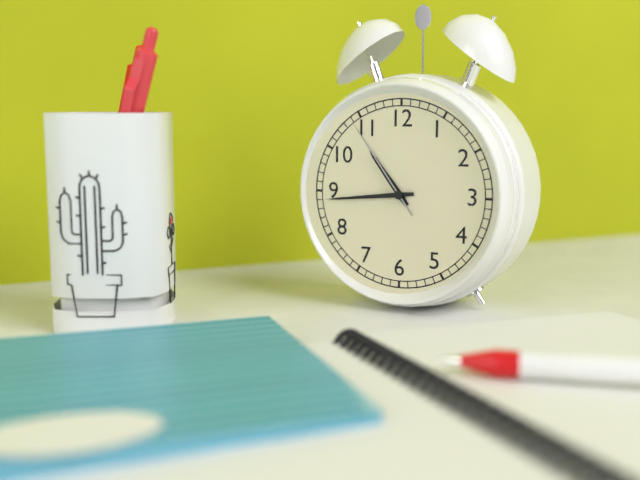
10:44:54
